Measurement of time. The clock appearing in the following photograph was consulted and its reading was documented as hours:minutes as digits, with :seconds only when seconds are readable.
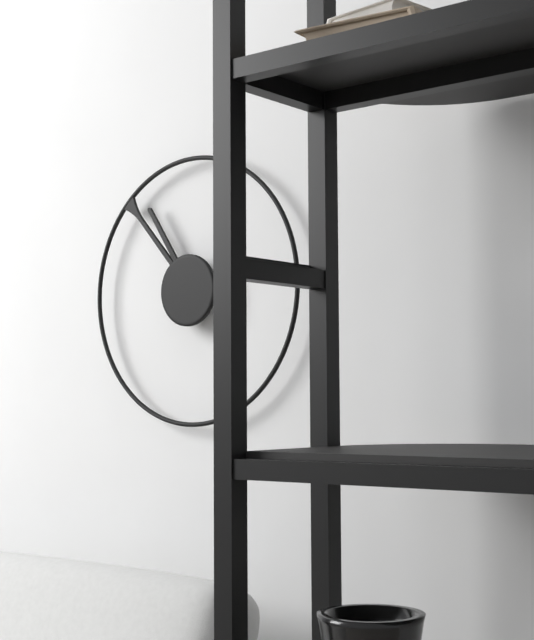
10:53
